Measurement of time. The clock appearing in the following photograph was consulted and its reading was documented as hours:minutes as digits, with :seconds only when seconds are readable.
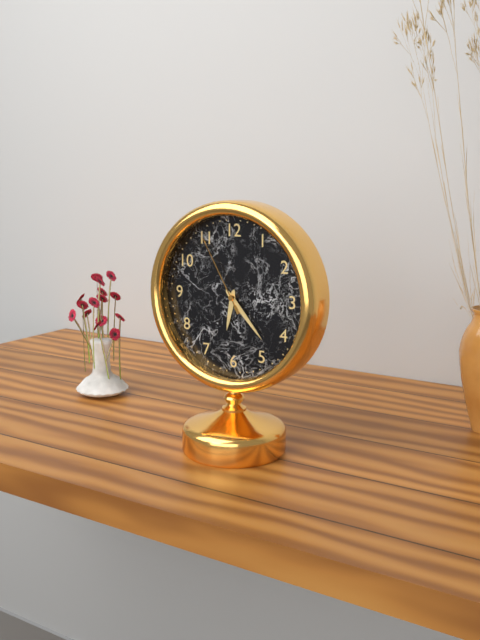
6:23:55
